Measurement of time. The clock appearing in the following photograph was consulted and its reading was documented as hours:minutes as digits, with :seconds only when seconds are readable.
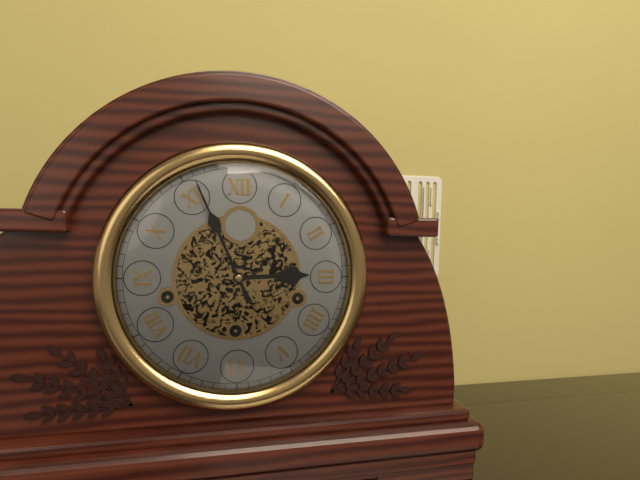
2:56
